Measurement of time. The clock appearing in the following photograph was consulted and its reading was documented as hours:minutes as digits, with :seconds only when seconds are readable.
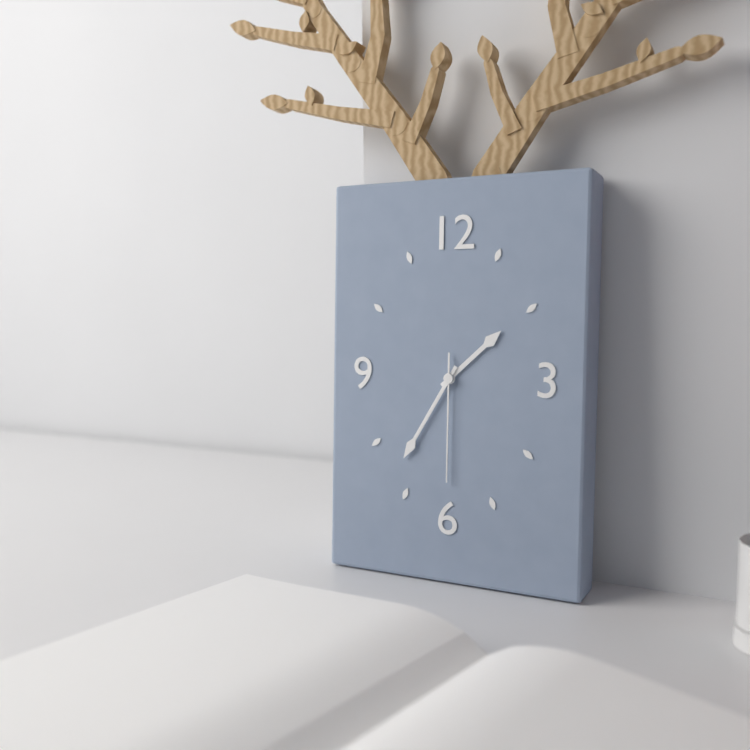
1:35:30
